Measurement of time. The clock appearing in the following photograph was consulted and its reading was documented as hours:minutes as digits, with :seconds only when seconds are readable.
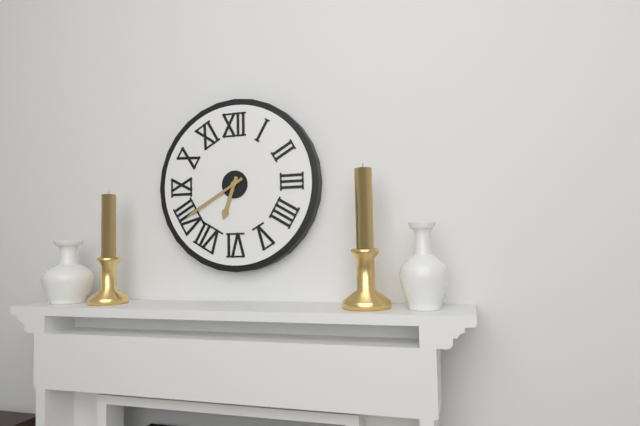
6:40
